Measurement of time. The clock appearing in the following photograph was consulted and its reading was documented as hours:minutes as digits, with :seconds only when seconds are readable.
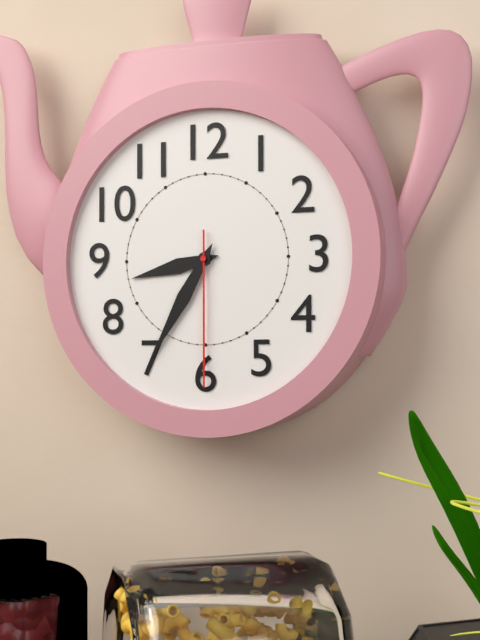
8:35:30
